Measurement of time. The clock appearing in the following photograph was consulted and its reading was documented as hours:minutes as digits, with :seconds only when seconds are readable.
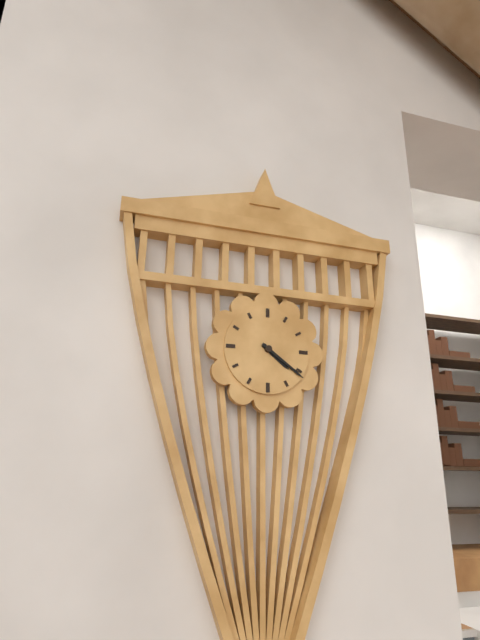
4:21
